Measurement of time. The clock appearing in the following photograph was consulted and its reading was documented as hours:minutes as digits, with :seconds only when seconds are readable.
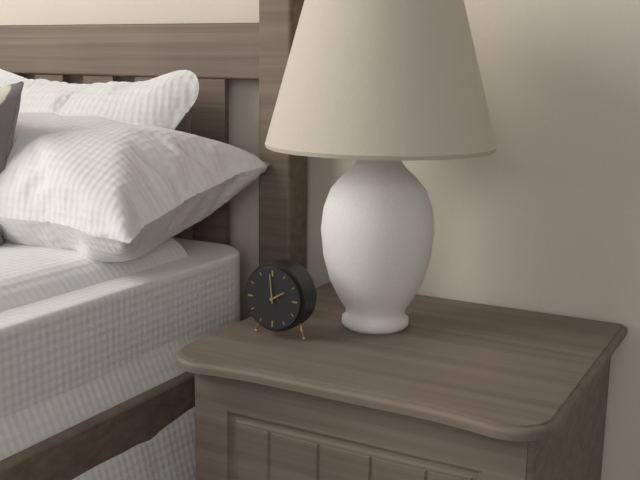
1:59
